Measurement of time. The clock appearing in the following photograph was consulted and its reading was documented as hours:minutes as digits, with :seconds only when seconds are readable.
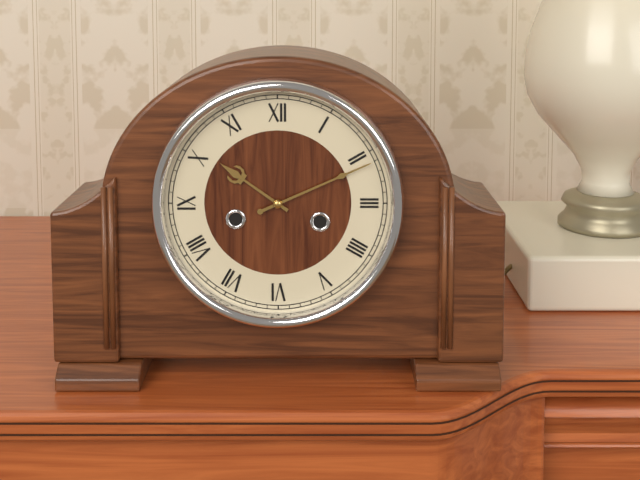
10:11
